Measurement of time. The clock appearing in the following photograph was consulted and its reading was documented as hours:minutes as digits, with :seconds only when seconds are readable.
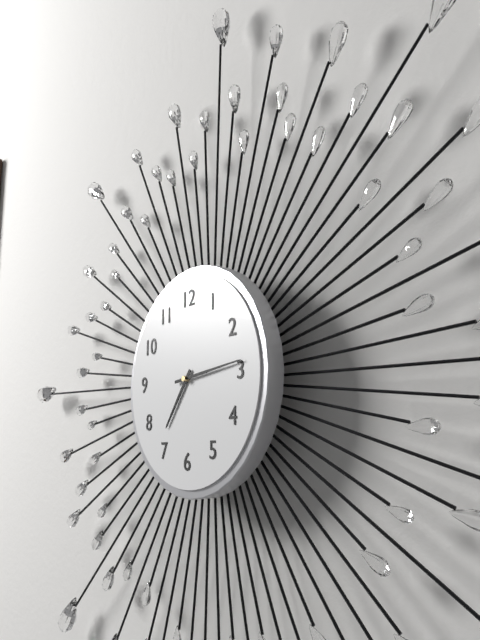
7:14
